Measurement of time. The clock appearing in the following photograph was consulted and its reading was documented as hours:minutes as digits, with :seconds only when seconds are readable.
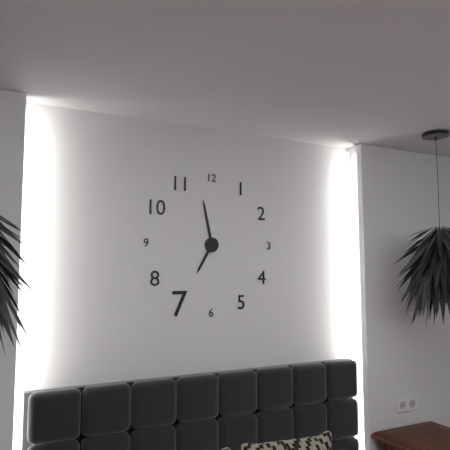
6:58
